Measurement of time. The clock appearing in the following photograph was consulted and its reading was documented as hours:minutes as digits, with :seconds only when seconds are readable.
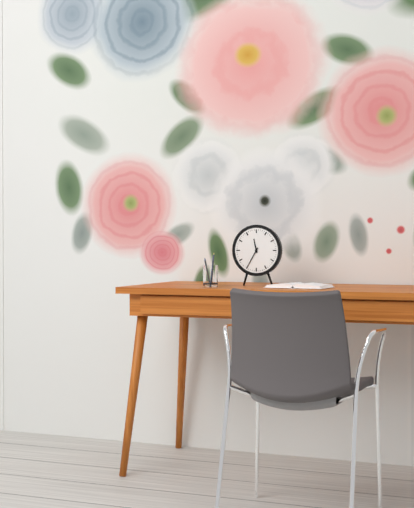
11:35
